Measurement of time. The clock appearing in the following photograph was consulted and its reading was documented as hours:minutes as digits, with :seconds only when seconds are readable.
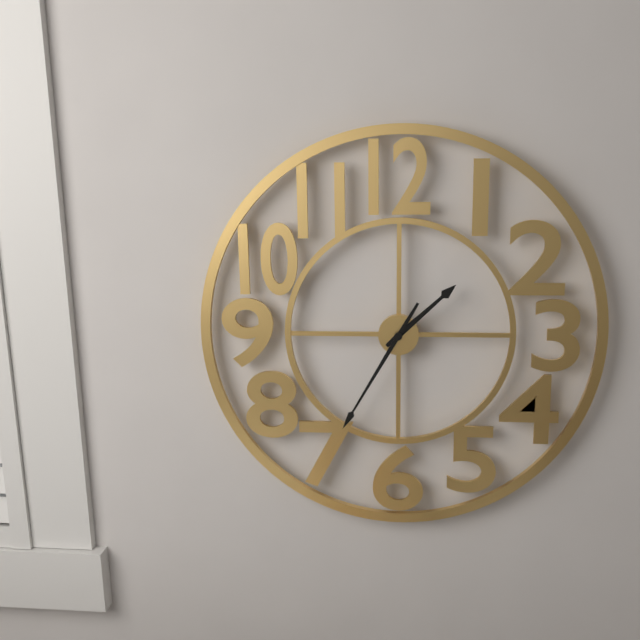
1:35
